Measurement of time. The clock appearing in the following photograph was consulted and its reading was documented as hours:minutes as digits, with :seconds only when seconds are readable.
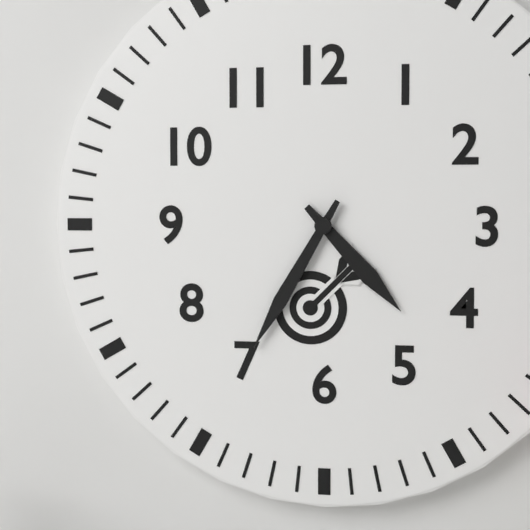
4:35
